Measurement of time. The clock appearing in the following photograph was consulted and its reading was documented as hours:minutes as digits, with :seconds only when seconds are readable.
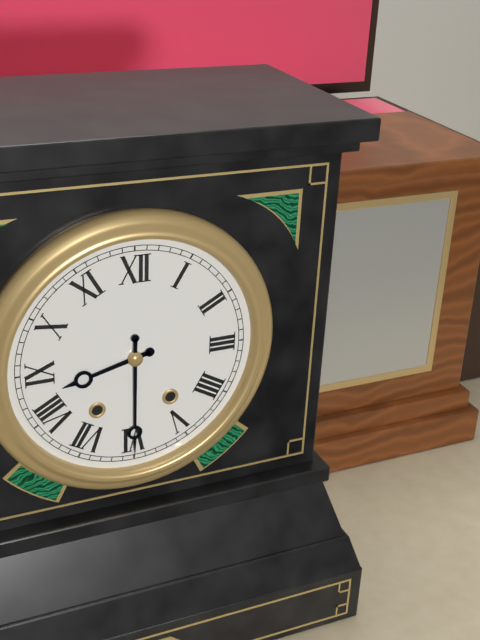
8:30
